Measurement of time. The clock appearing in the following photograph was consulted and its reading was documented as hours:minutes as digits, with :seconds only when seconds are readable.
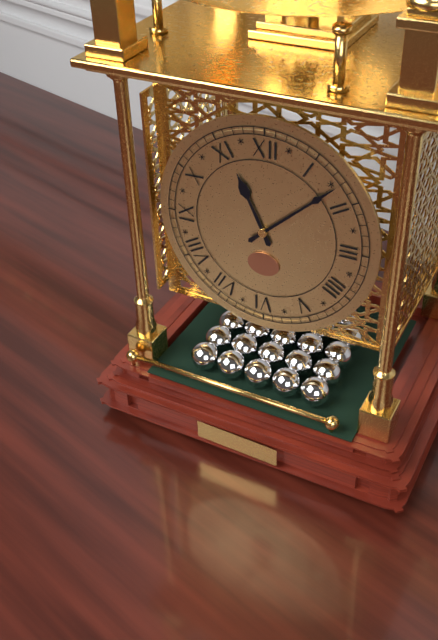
11:08
